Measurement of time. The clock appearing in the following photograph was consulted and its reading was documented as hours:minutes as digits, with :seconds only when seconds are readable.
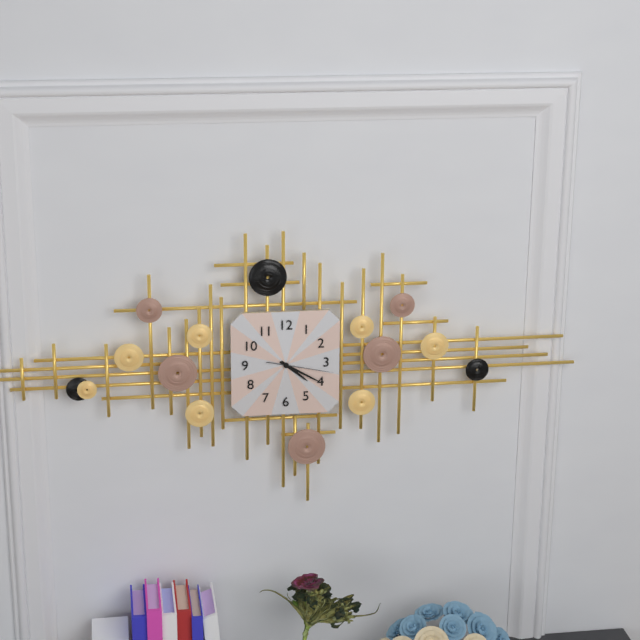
4:20:17
